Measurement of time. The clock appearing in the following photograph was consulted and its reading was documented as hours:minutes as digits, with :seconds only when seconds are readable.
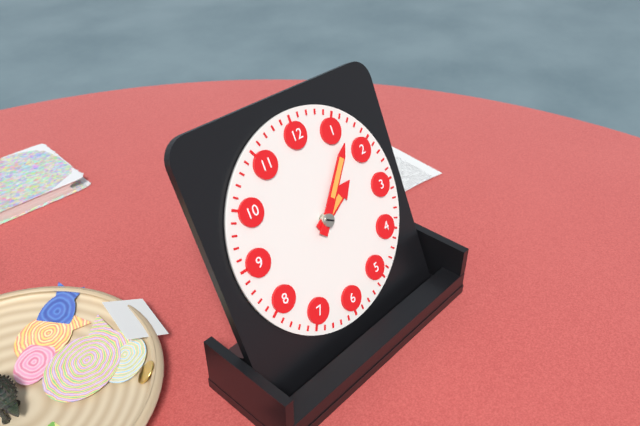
2:07
